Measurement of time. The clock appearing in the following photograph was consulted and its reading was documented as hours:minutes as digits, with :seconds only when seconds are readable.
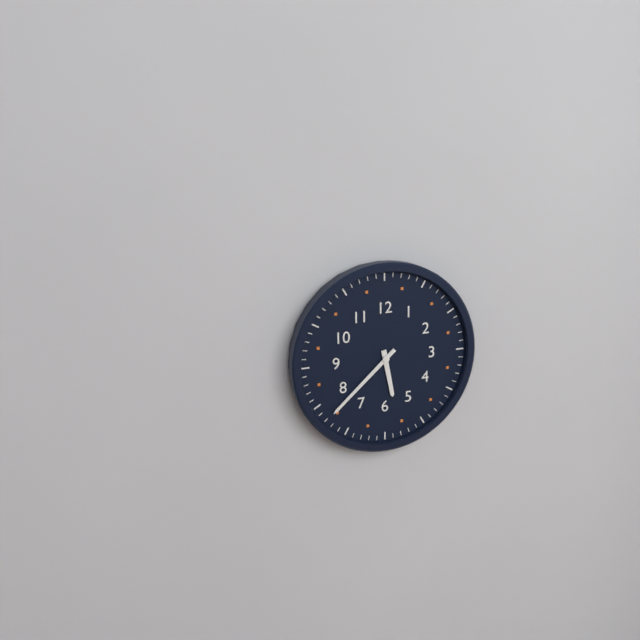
5:38
